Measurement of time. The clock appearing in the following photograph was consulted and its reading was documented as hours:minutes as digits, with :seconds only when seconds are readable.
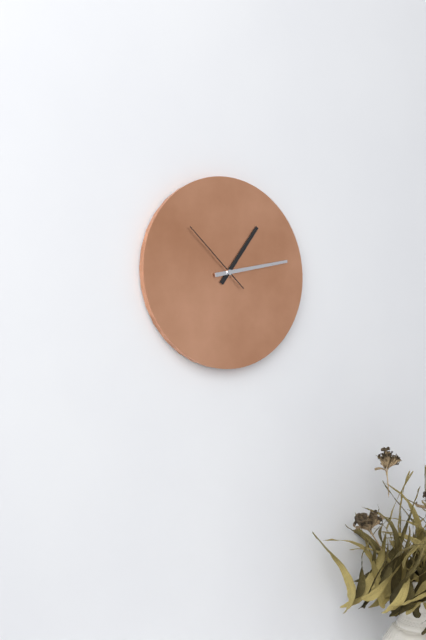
1:13:52
